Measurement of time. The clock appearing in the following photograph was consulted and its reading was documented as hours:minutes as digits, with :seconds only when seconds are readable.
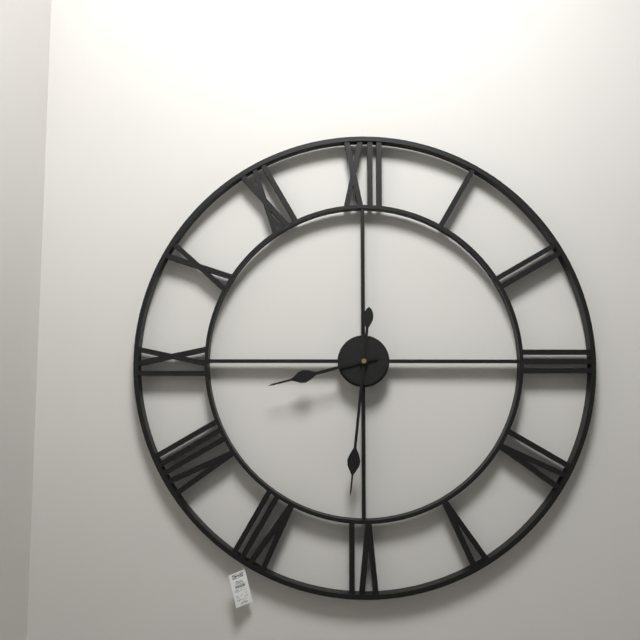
8:31
